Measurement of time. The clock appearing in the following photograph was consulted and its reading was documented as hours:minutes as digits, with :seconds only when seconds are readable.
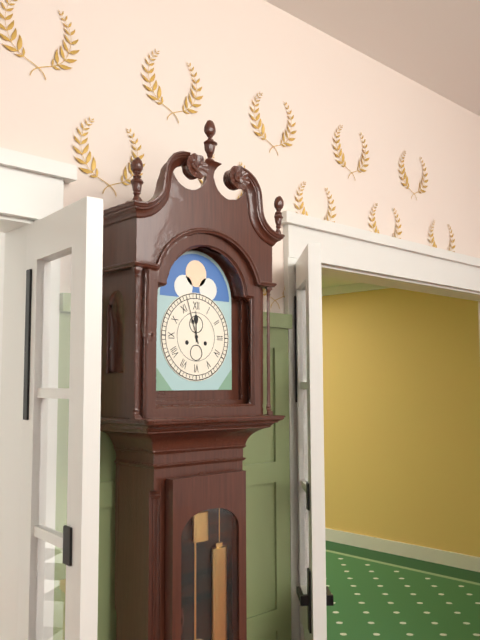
11:57
